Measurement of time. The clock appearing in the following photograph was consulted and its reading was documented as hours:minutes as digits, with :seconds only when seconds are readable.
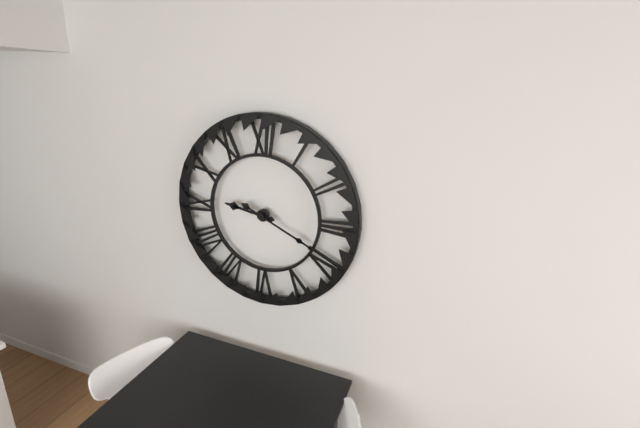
9:19
